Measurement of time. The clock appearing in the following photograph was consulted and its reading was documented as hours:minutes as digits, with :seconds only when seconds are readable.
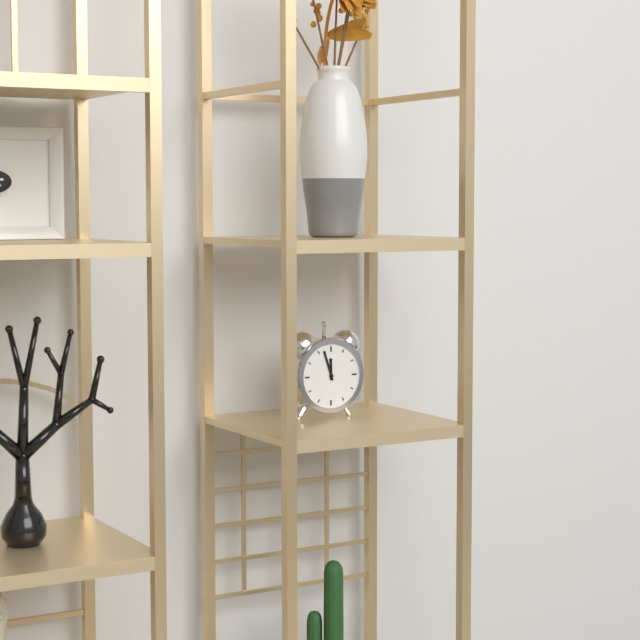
11:57
